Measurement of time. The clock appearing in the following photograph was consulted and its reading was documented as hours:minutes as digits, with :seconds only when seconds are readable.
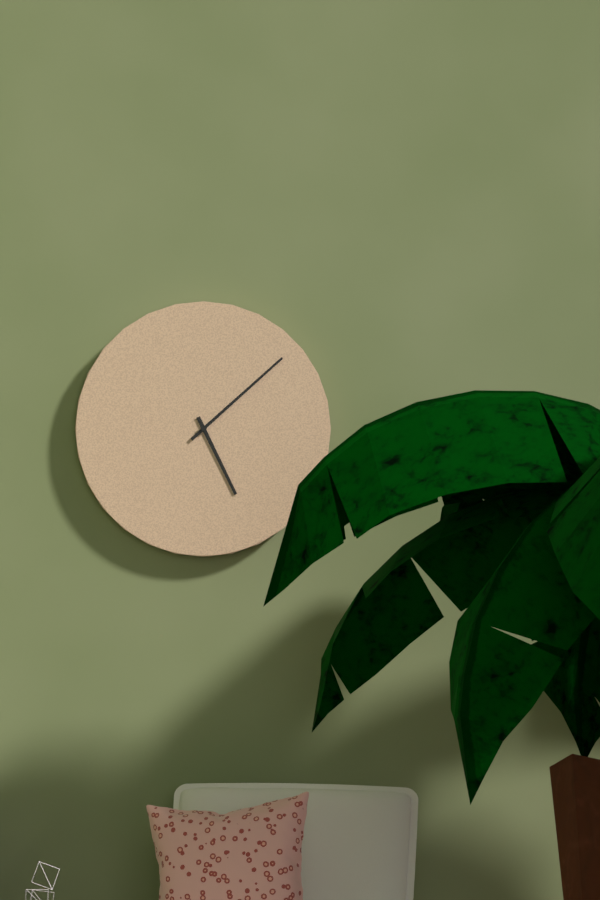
5:08
